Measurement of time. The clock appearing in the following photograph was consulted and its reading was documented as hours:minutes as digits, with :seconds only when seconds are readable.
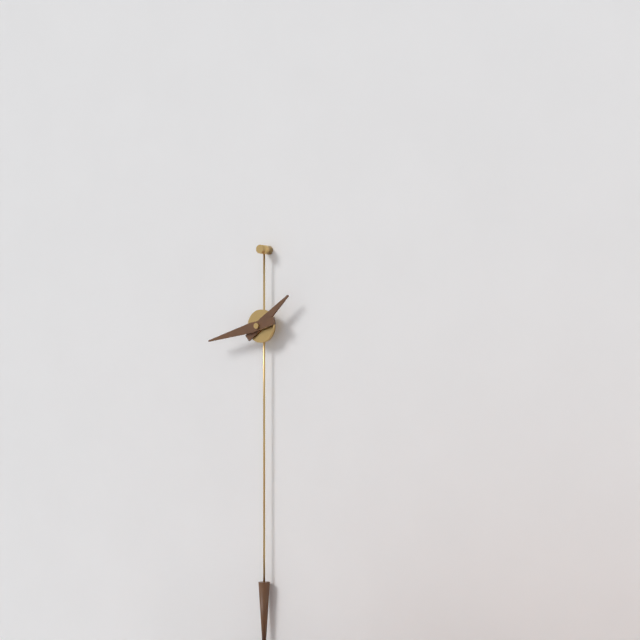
1:43
